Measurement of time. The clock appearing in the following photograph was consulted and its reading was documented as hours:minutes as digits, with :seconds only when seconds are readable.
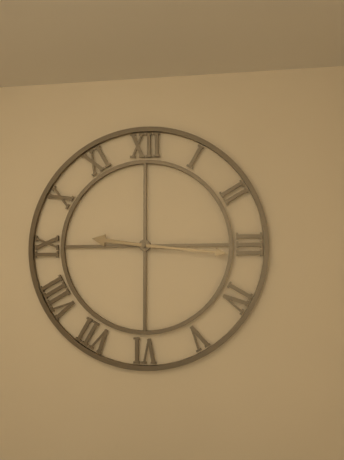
9:16
